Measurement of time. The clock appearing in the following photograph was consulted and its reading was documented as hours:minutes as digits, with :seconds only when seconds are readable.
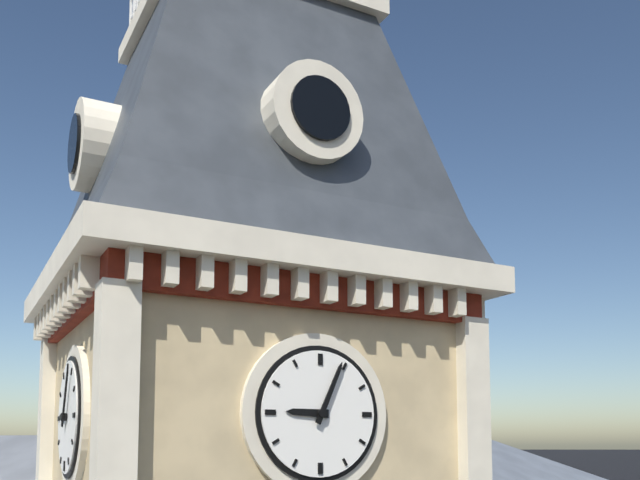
9:04
